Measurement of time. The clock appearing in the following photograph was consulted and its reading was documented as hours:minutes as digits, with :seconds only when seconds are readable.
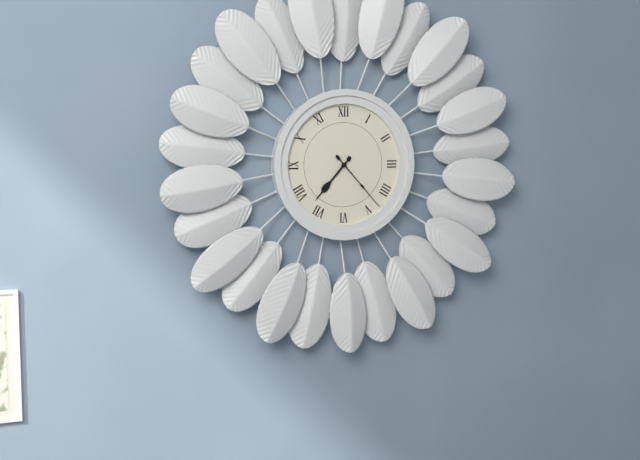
7:23
